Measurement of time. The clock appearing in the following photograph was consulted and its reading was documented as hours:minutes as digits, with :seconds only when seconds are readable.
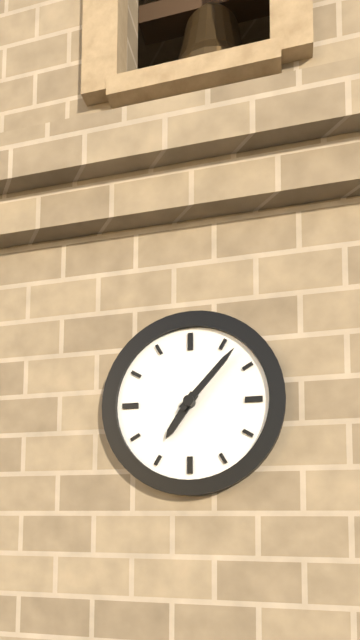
7:07
